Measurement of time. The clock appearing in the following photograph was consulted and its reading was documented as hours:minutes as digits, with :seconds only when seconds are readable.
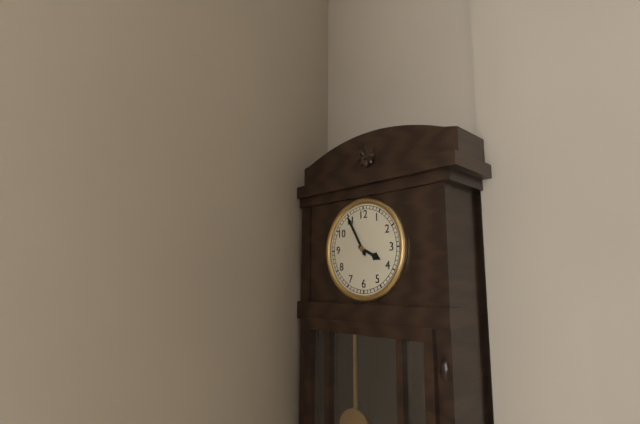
3:55
